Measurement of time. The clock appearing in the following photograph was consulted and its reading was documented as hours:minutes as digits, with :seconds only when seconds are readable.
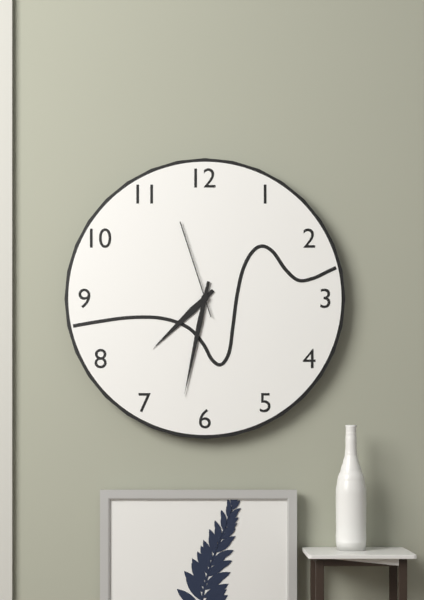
7:32:57
